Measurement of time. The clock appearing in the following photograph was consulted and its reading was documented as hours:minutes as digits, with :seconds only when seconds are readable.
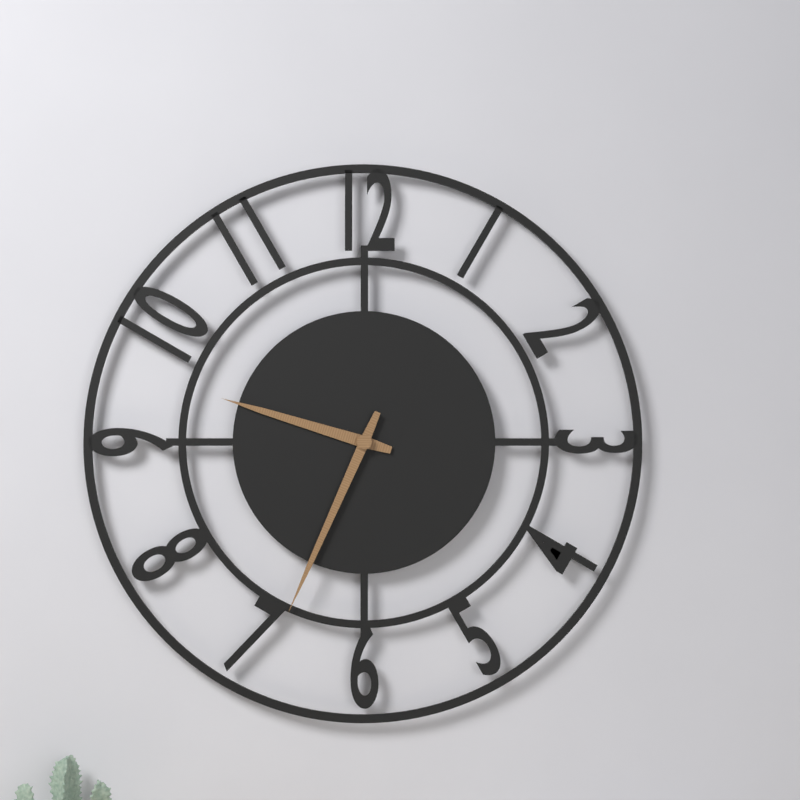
9:34
